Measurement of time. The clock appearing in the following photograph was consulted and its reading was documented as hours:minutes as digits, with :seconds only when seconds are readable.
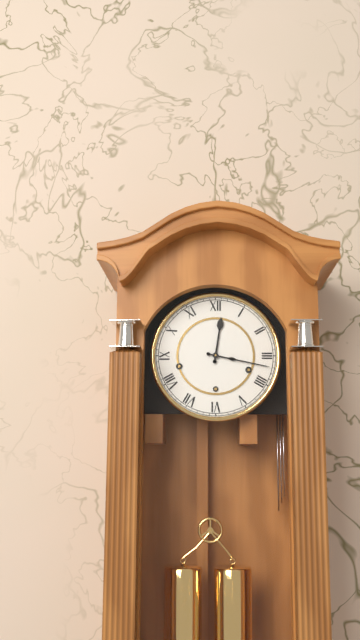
12:17
